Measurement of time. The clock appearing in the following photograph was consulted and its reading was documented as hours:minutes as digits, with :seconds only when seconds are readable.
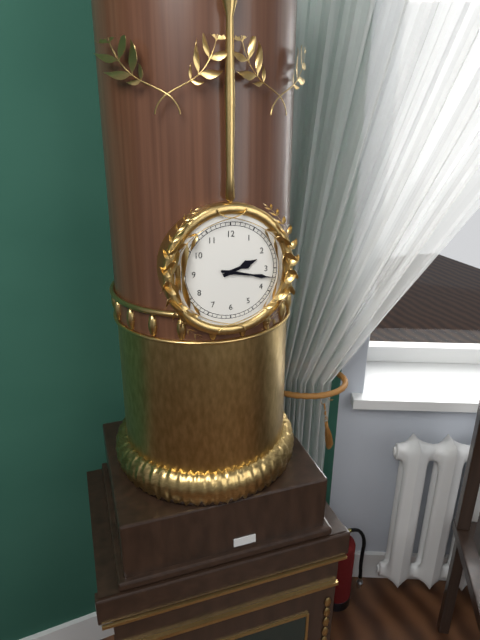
2:17
